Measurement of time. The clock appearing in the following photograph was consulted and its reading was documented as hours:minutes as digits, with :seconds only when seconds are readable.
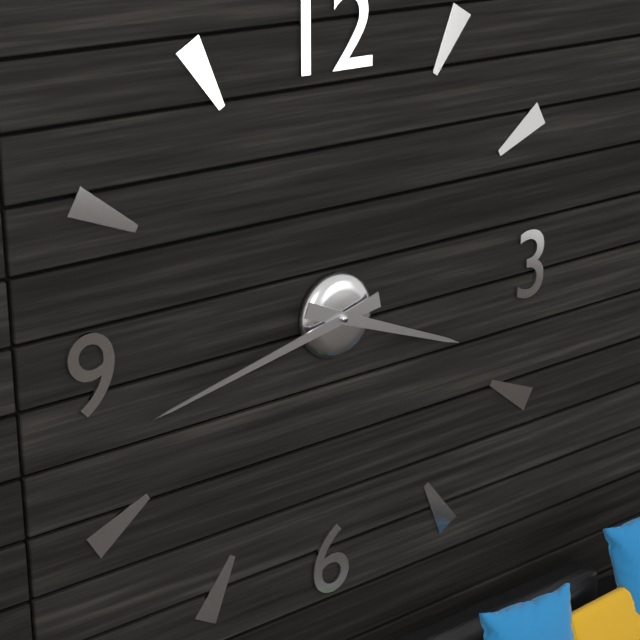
3:43
